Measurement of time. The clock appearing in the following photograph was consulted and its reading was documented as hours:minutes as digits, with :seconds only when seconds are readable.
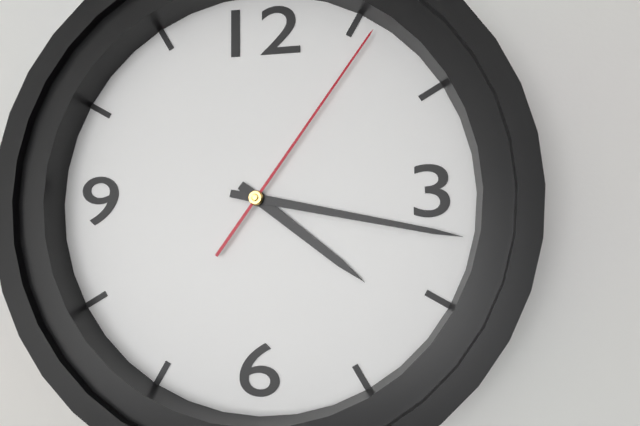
4:17:06
